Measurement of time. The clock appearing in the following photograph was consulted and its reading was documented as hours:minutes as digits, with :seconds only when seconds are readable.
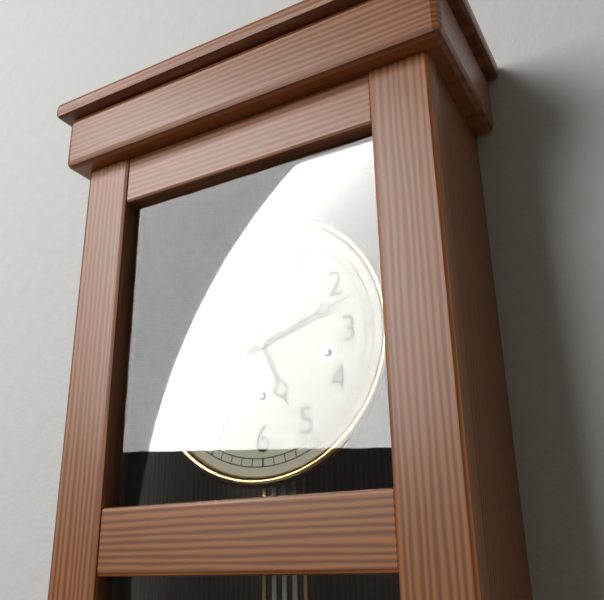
5:12
